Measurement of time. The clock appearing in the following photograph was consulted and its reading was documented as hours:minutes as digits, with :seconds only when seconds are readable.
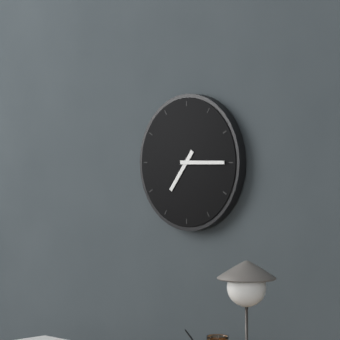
7:15
